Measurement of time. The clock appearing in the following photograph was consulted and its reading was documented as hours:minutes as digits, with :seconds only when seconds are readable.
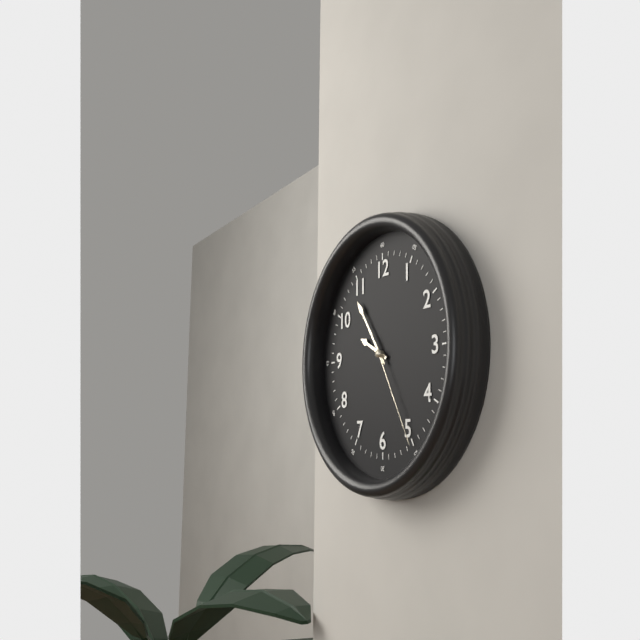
9:54:25
